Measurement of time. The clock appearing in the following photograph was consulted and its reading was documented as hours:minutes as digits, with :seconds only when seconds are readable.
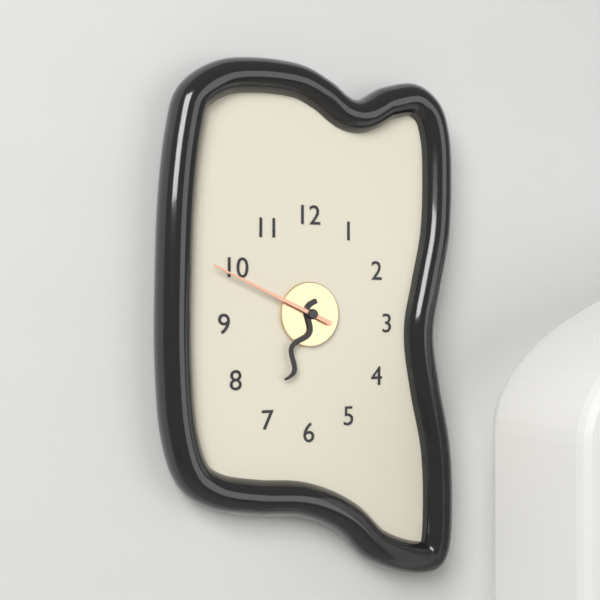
6:49
